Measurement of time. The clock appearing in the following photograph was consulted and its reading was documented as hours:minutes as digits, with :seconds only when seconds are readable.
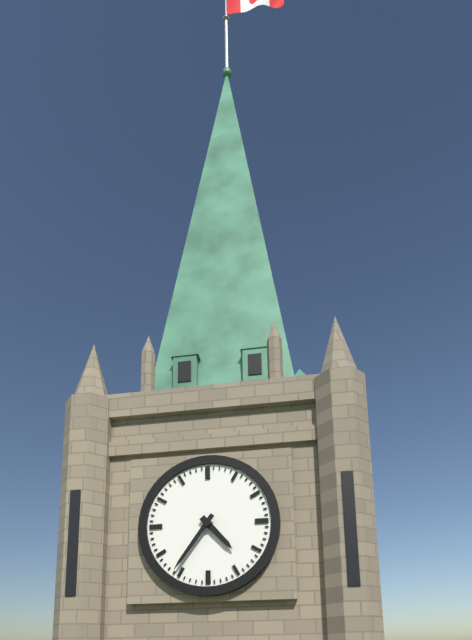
4:36
